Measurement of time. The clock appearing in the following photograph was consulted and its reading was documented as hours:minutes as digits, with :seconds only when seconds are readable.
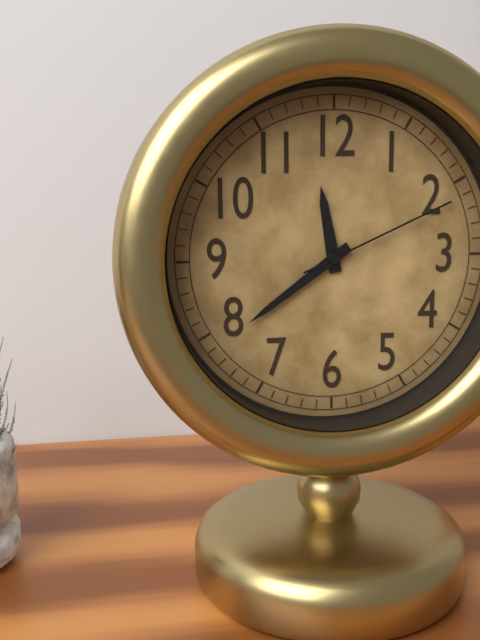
11:39:11
